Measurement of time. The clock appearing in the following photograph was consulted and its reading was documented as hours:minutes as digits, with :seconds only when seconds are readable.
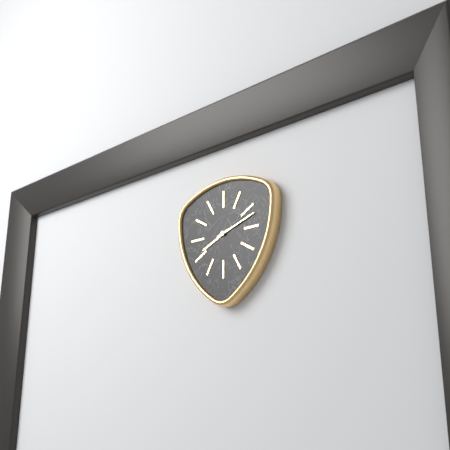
8:12
